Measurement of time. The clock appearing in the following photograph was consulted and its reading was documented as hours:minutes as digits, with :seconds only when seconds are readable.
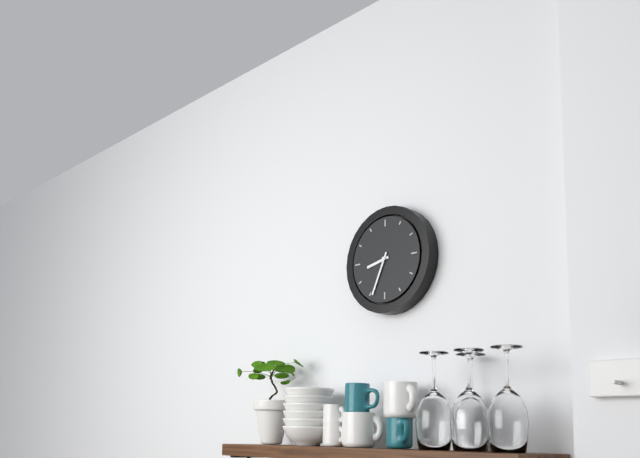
8:34
